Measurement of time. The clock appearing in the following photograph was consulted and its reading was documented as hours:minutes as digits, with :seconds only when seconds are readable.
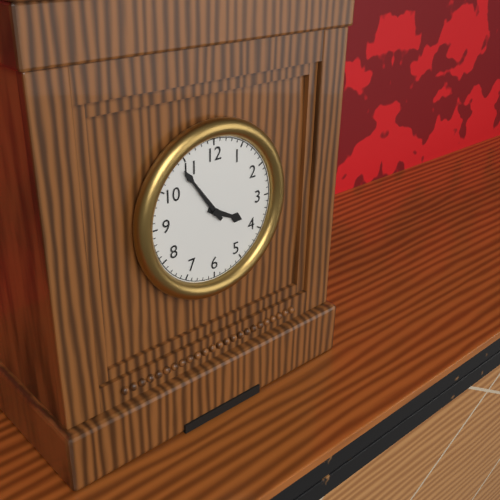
3:54
